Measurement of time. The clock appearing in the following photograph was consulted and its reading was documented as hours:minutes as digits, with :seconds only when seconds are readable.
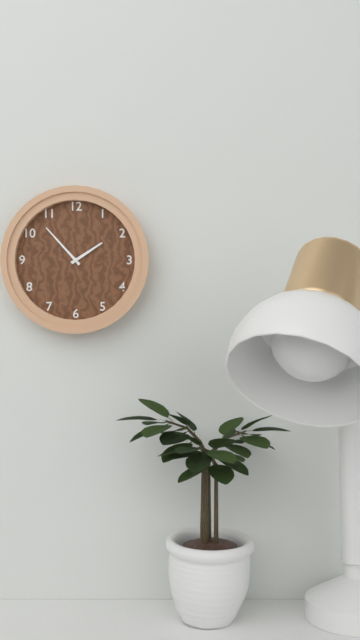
1:53
